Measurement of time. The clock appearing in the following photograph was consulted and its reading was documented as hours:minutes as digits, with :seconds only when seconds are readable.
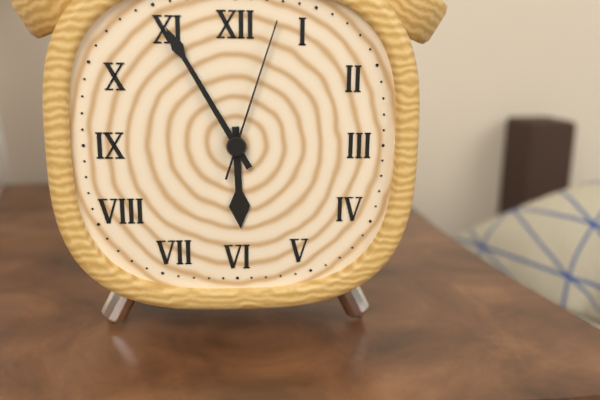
5:55:03
